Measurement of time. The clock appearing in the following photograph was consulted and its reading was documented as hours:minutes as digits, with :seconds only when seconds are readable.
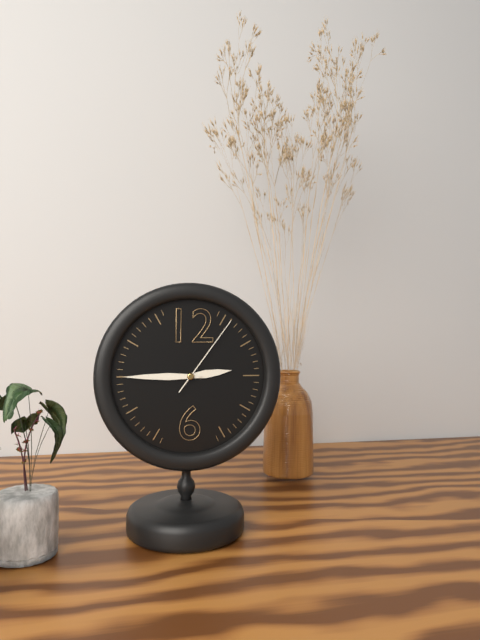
2:45:06
